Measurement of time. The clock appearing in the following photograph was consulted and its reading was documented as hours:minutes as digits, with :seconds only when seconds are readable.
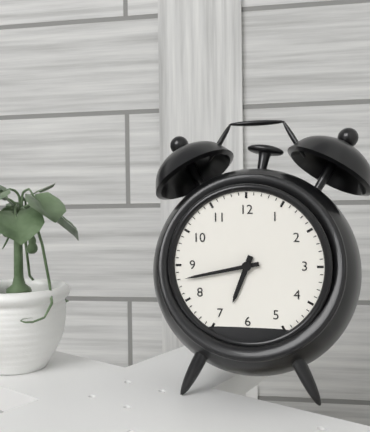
6:43
